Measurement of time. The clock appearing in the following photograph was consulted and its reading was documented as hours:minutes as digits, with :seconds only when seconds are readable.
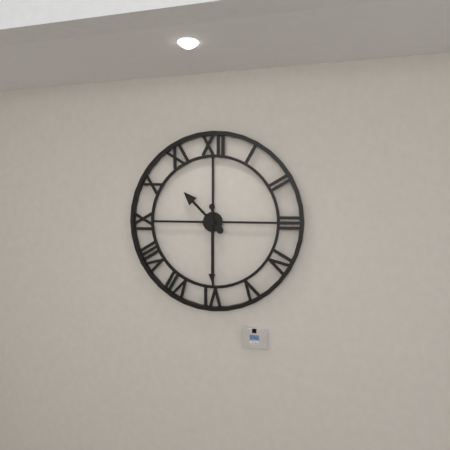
10:30
